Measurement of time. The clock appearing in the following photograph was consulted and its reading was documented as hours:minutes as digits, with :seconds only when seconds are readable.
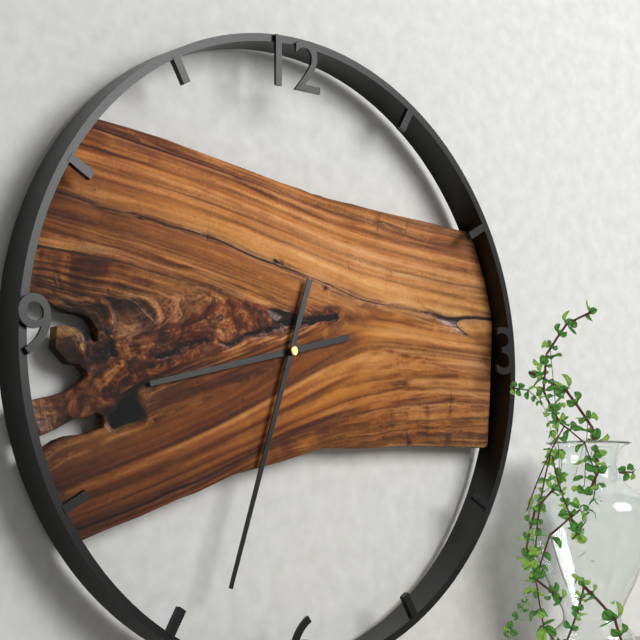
8:33
